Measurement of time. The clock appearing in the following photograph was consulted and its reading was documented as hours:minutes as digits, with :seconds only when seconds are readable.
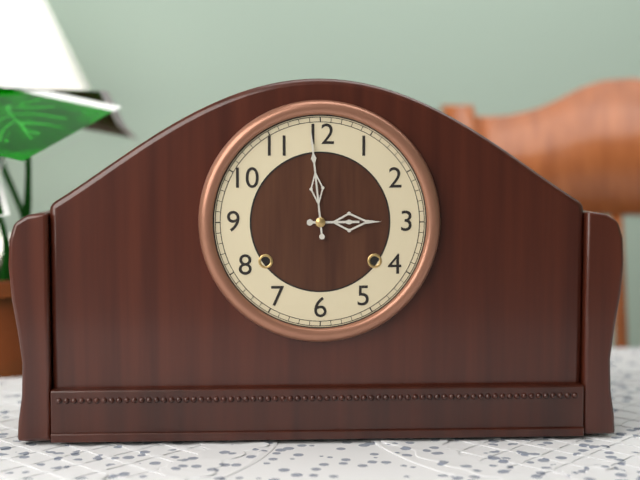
2:59
